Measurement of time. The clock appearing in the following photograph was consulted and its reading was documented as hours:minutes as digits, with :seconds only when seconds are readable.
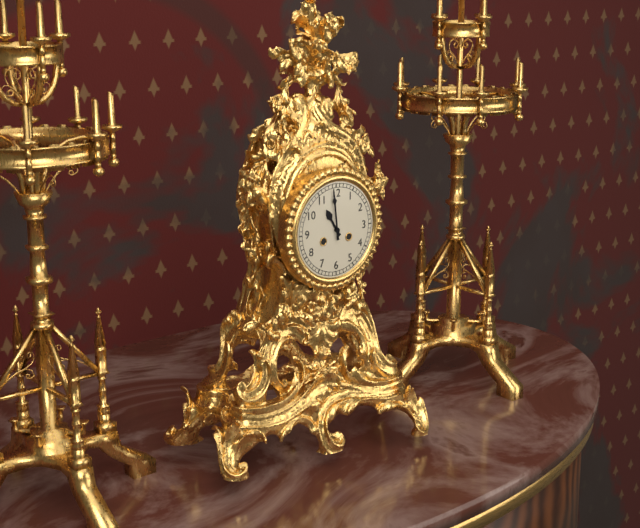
10:59
